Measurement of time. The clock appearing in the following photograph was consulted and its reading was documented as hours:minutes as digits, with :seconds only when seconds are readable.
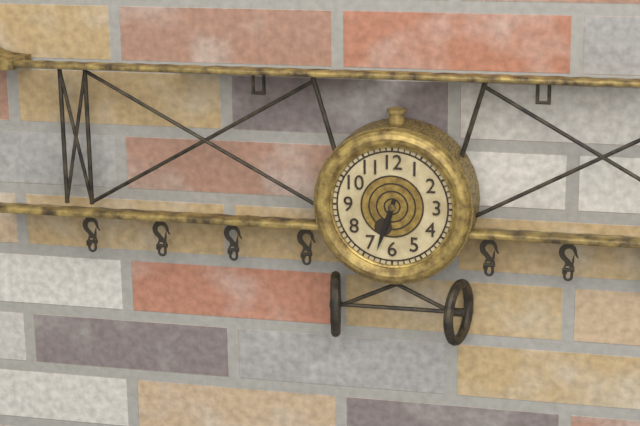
6:33
